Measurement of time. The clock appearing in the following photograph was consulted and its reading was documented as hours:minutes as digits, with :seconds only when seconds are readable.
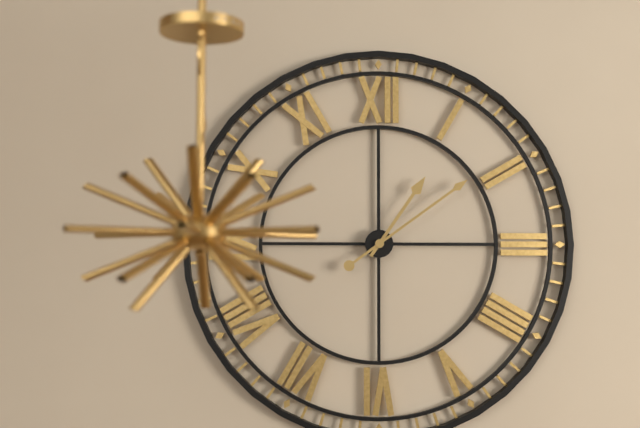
1:09
